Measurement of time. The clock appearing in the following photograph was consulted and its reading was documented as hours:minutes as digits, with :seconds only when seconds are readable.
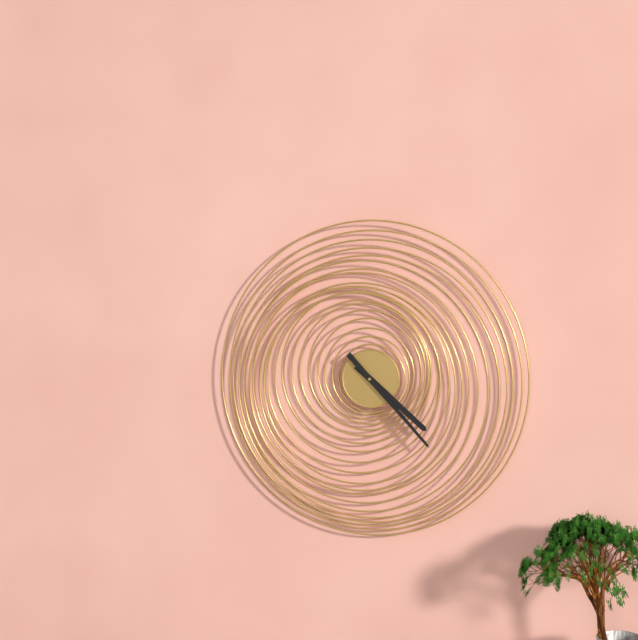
4:23
